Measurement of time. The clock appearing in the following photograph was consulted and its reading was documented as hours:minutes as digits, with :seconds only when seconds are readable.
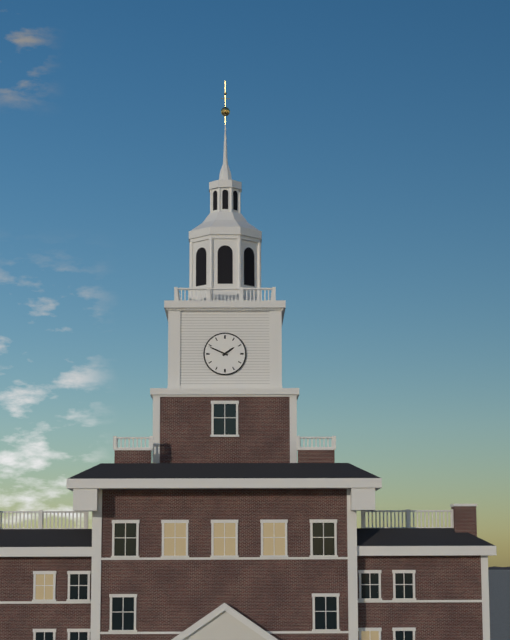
1:49
